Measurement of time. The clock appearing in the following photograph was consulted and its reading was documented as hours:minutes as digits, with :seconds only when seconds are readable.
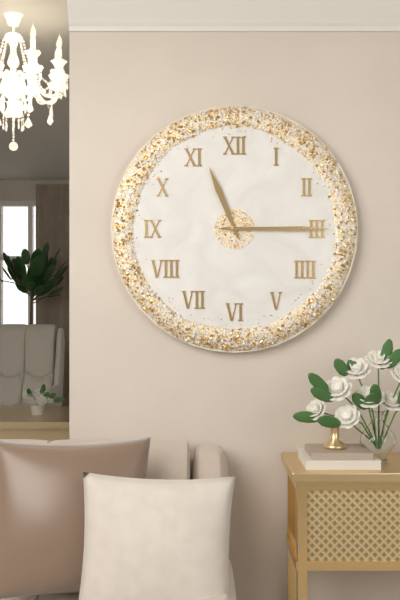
11:15
